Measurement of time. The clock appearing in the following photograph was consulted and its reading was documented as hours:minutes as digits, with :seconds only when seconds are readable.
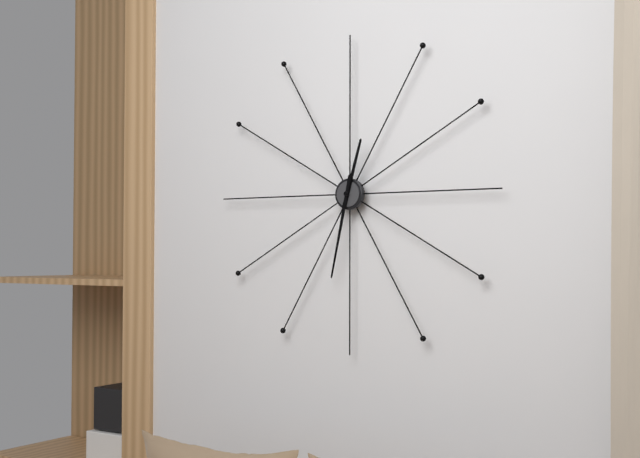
12:32
